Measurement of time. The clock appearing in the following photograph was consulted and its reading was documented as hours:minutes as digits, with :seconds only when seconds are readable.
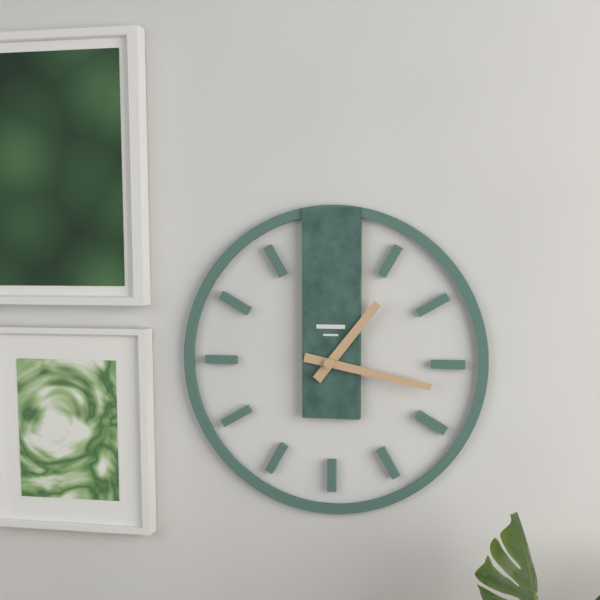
1:17
